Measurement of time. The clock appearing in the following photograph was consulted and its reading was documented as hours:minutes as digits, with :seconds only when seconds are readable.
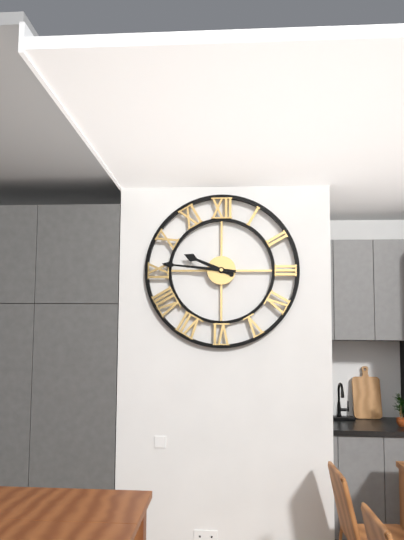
9:46
